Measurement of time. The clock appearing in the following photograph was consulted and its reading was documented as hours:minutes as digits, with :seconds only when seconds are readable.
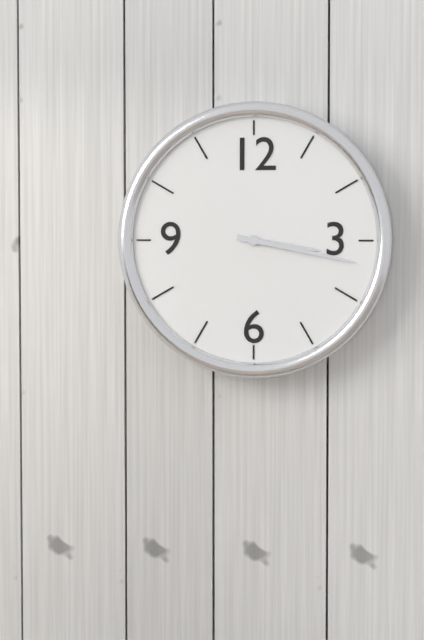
3:17
